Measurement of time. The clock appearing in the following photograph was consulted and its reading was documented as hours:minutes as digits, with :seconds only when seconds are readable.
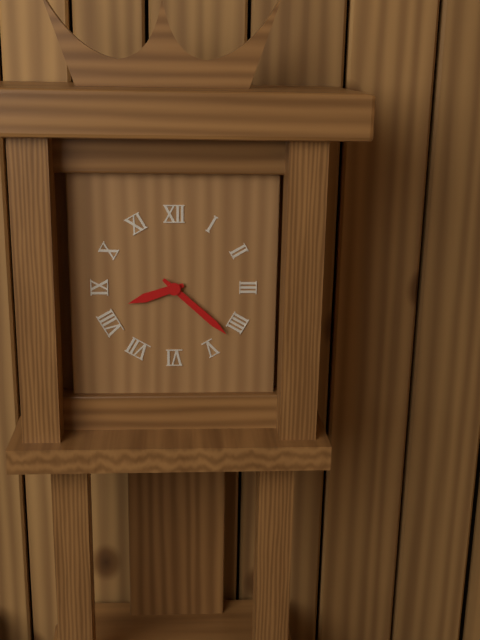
8:22
